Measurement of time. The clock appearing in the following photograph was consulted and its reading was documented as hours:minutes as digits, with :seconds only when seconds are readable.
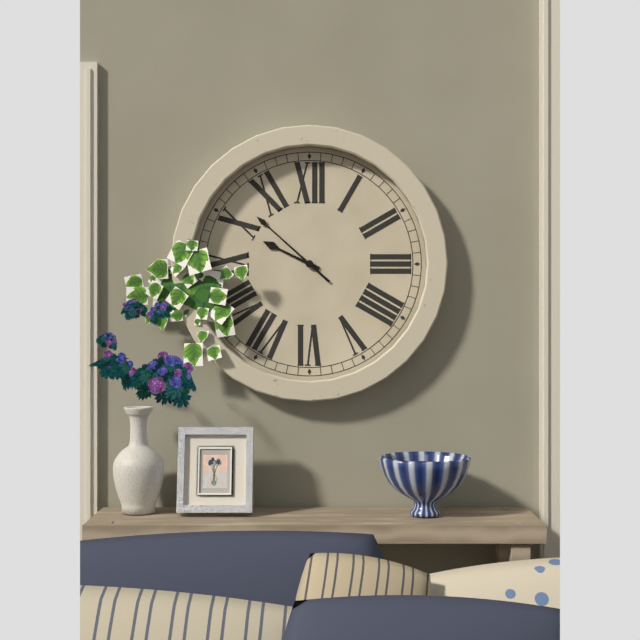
9:52
